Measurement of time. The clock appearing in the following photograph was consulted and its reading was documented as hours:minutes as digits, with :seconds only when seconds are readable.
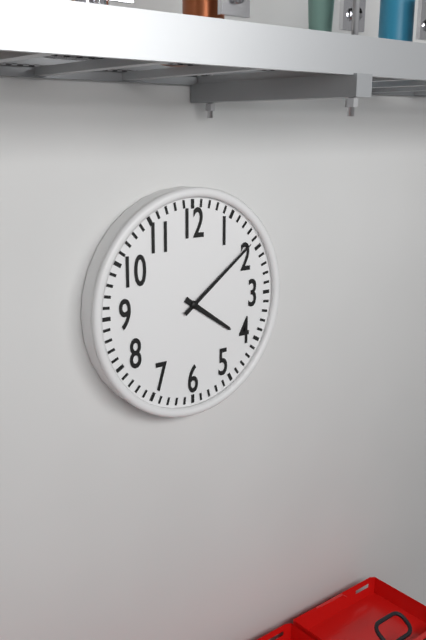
4:09
